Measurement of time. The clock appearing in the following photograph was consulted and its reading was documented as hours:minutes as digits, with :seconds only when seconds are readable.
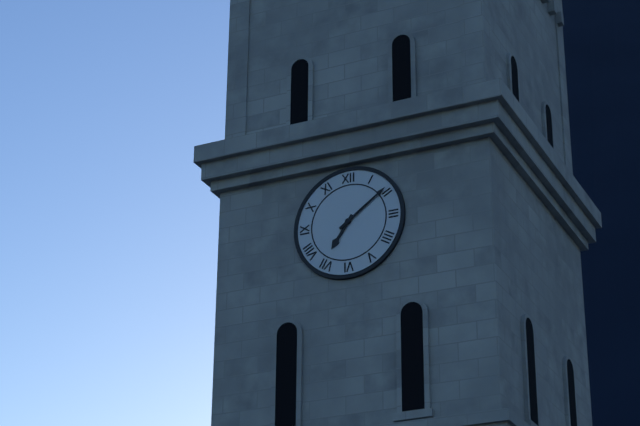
7:09
